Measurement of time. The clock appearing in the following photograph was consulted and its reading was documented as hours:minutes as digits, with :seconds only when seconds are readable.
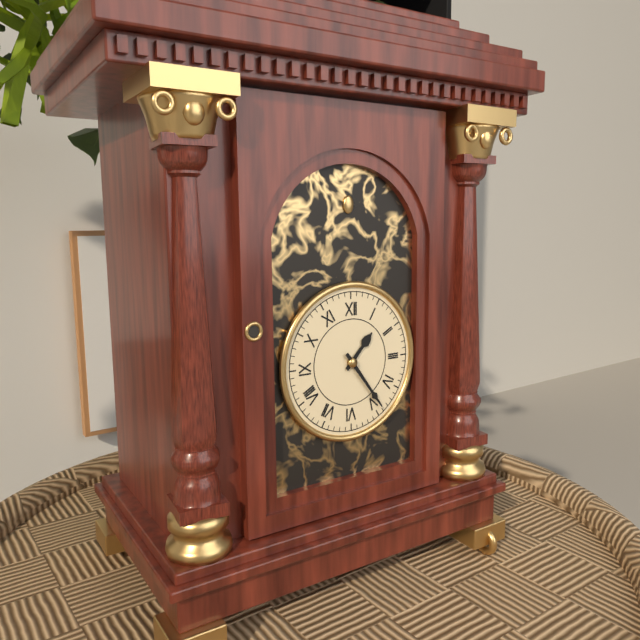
1:24
